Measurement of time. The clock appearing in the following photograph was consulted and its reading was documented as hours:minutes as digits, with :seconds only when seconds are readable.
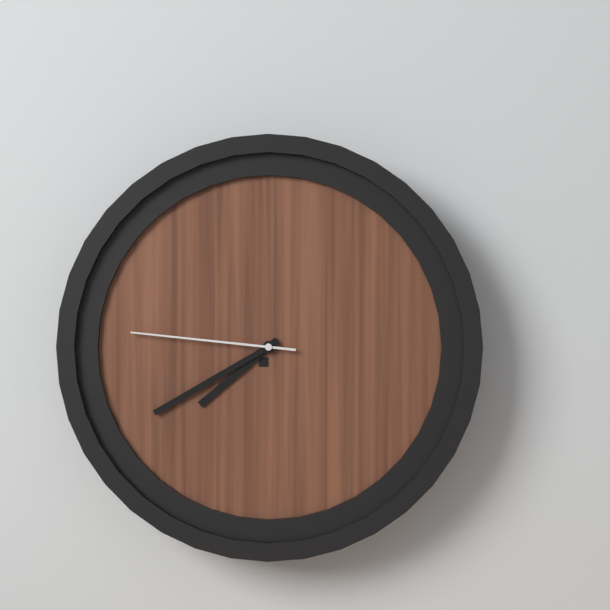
7:40:46
